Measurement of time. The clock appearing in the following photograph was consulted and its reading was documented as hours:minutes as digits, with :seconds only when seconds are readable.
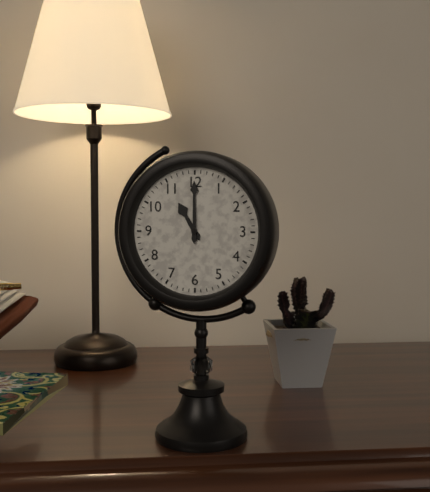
11:00
